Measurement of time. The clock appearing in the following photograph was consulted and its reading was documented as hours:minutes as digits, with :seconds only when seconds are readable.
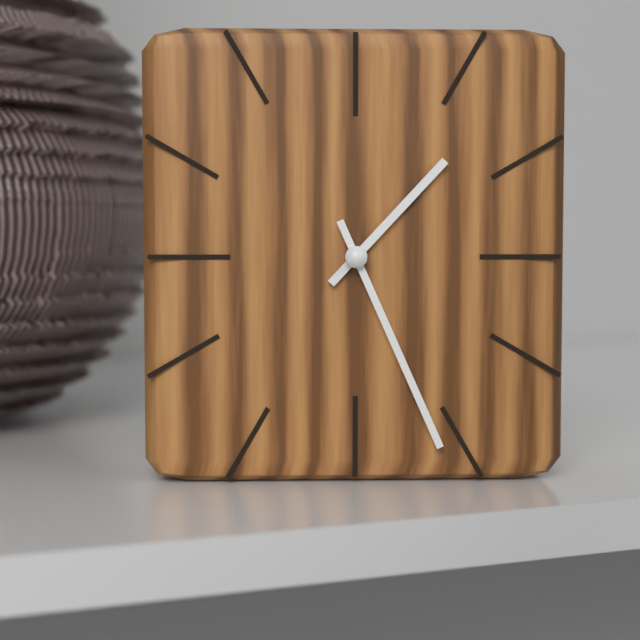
1:26
